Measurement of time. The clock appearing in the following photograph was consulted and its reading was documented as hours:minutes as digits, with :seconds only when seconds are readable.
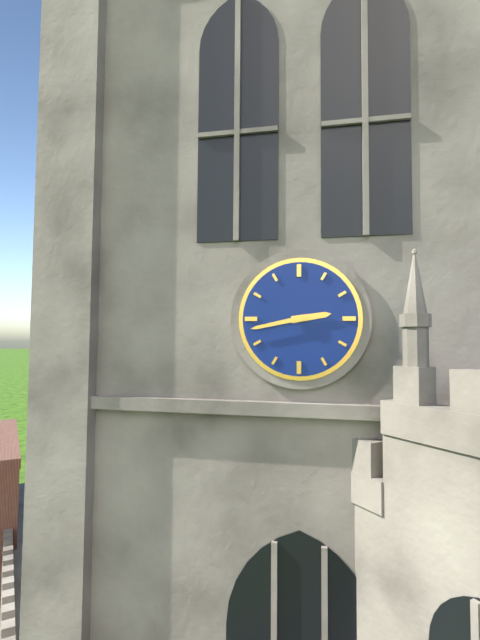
2:43
